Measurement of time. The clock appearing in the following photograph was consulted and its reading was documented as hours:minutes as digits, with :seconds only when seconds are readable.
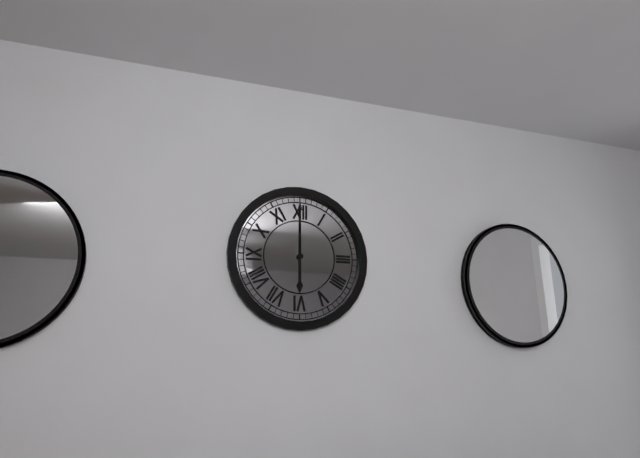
6:00
